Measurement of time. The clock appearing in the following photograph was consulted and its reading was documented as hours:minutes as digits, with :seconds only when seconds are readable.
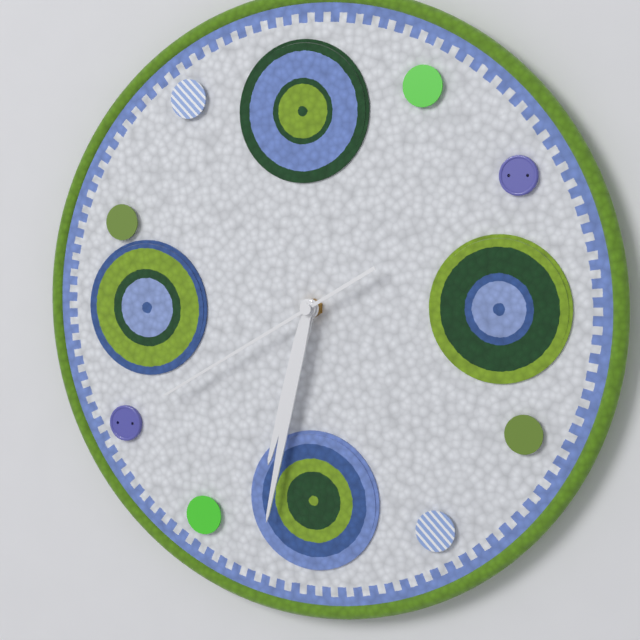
6:32:40
